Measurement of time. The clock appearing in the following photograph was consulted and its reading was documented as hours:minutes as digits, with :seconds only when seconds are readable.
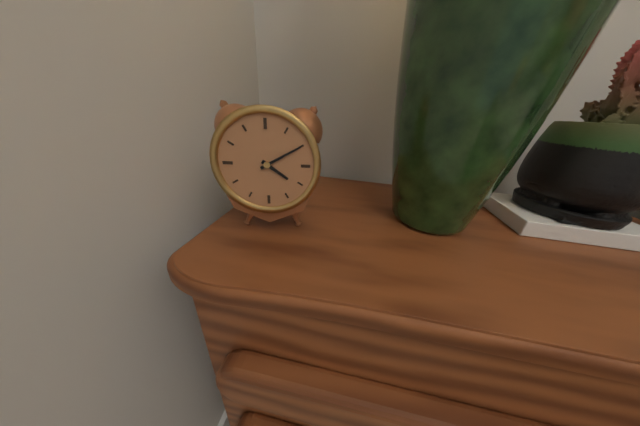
4:10
